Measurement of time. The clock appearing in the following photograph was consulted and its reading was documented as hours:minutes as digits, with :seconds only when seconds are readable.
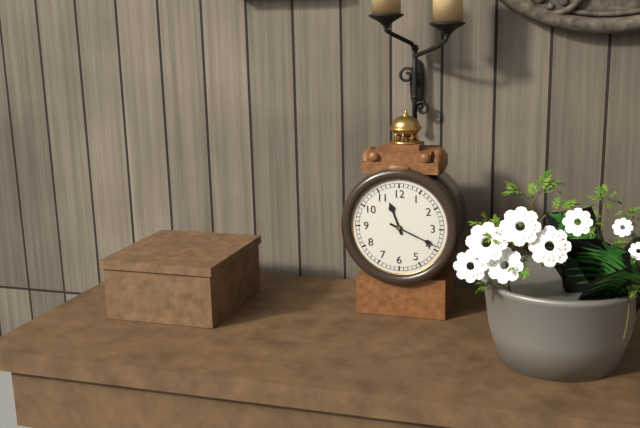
11:19
